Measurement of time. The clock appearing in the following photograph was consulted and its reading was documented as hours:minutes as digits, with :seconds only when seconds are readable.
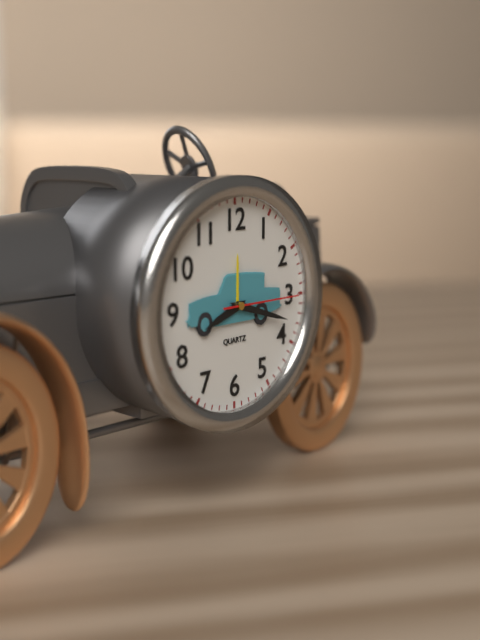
8:18:15
